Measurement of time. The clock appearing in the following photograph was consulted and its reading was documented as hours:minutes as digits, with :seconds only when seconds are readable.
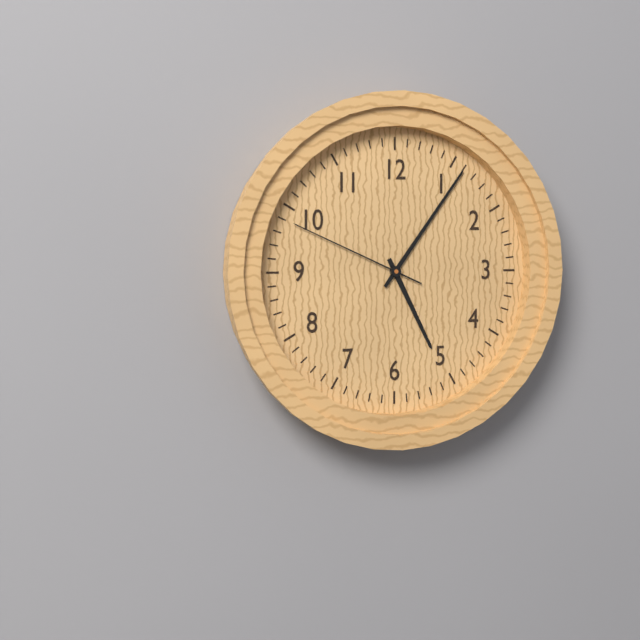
5:06:49
